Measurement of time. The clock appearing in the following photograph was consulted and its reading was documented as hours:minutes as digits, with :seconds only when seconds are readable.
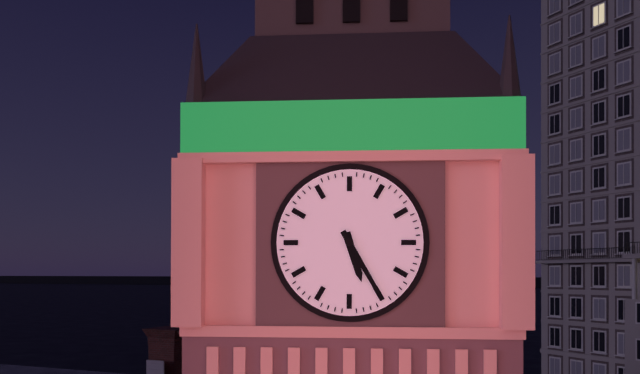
5:25
